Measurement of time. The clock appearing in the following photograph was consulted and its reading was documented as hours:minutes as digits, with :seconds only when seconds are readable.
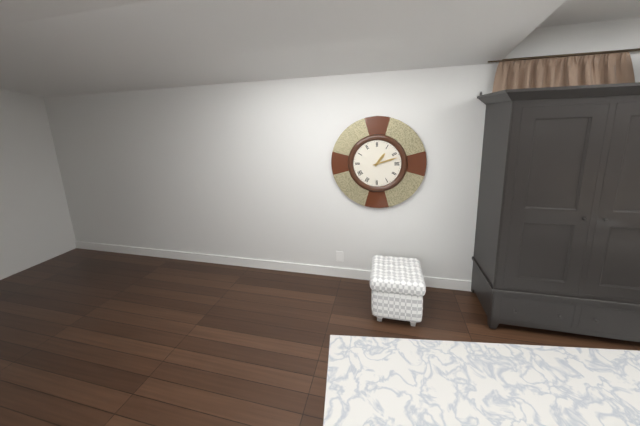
1:12
